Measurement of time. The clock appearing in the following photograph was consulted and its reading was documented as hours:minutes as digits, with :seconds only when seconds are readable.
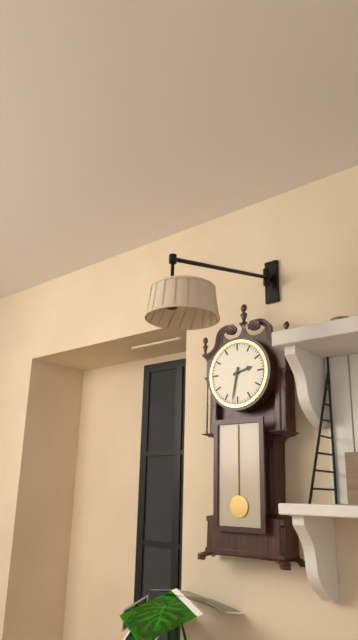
2:32
